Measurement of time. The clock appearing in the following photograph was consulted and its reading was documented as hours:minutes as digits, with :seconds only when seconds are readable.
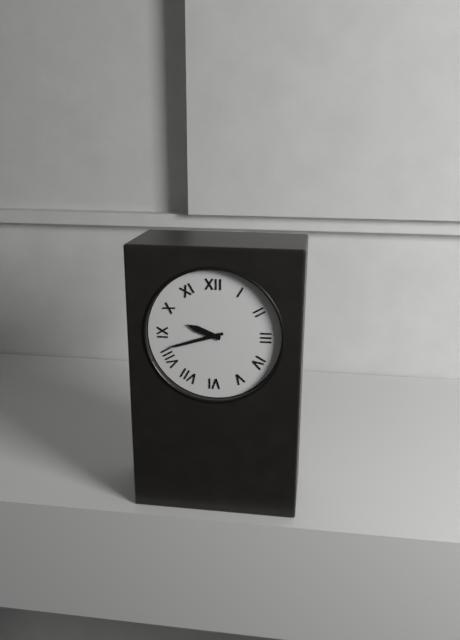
9:42
